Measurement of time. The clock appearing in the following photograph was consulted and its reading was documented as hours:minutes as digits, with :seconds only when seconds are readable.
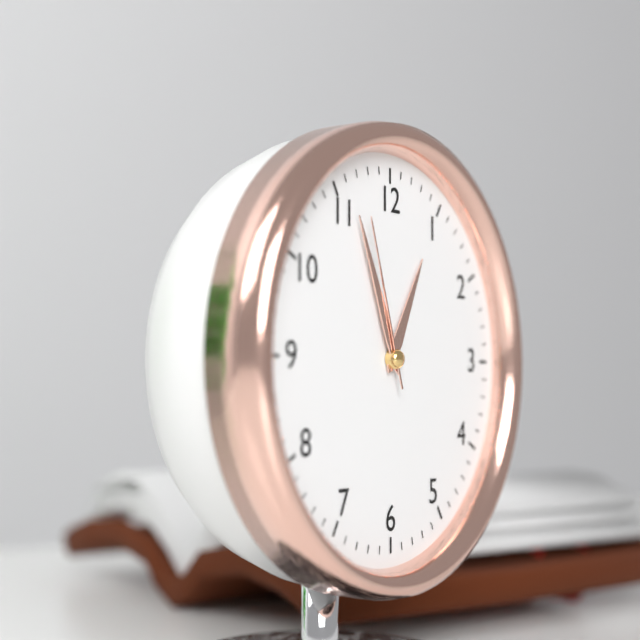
12:56:57
